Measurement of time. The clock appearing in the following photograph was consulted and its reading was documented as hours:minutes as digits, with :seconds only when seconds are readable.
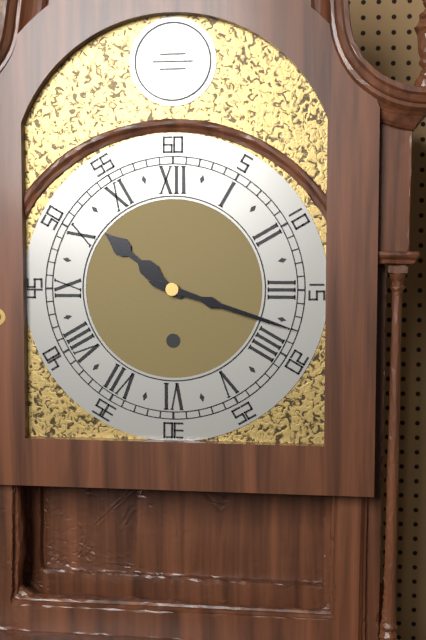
10:18
